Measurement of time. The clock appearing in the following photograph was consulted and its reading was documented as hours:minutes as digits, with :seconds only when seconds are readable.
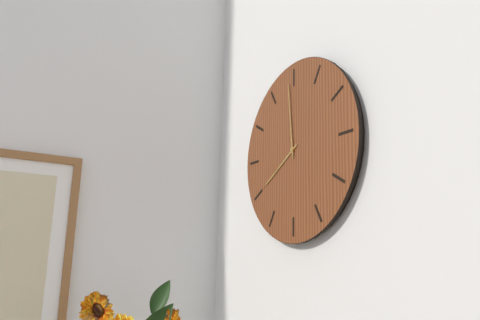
7:59
